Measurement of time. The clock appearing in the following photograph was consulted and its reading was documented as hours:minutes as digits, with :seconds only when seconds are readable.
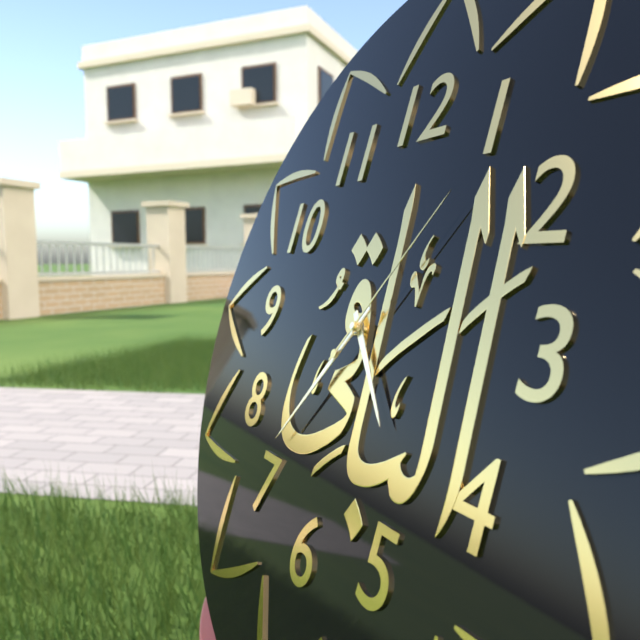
4:36:06
